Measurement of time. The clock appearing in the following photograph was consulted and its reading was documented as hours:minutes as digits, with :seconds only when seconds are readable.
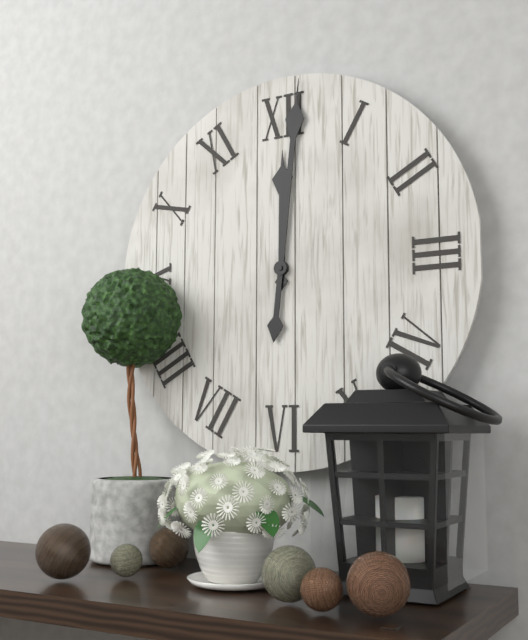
12:01
